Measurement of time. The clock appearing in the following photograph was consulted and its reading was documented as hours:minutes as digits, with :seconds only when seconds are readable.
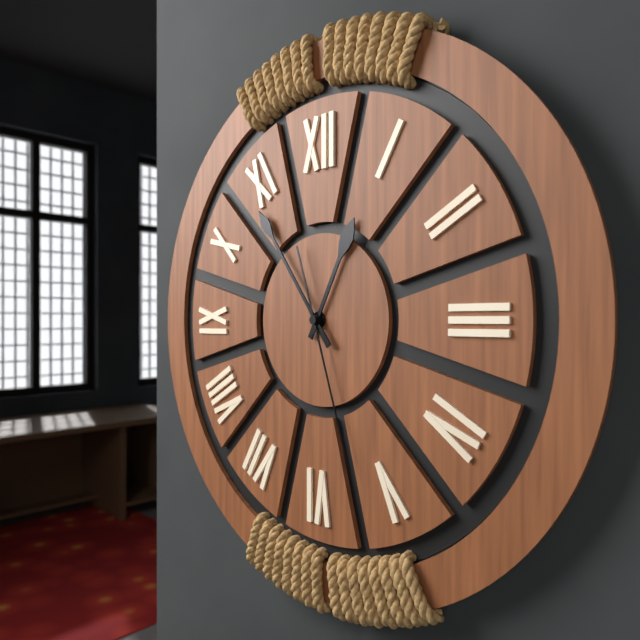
12:54:27
